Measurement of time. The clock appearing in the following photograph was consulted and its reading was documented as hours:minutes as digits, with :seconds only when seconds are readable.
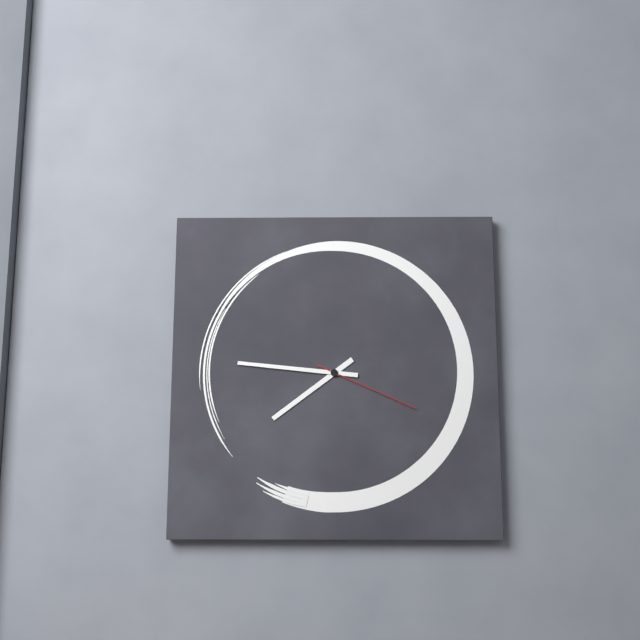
7:46:19
